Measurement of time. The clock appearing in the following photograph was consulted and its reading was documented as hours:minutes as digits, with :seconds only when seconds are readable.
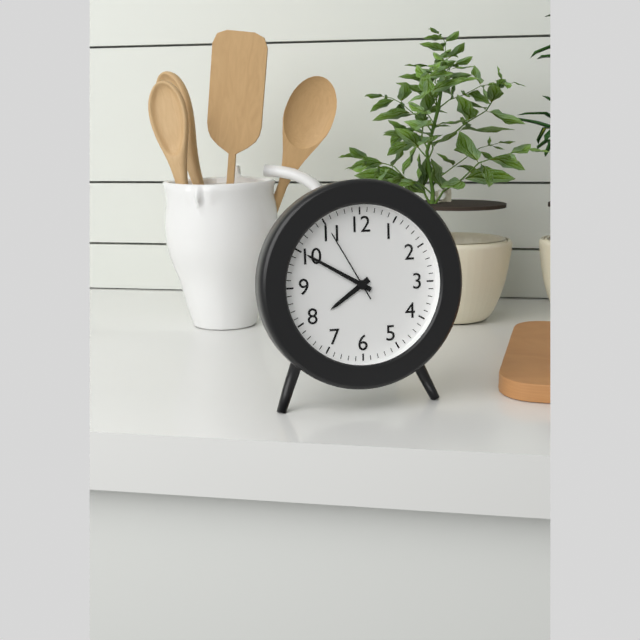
7:50:55
